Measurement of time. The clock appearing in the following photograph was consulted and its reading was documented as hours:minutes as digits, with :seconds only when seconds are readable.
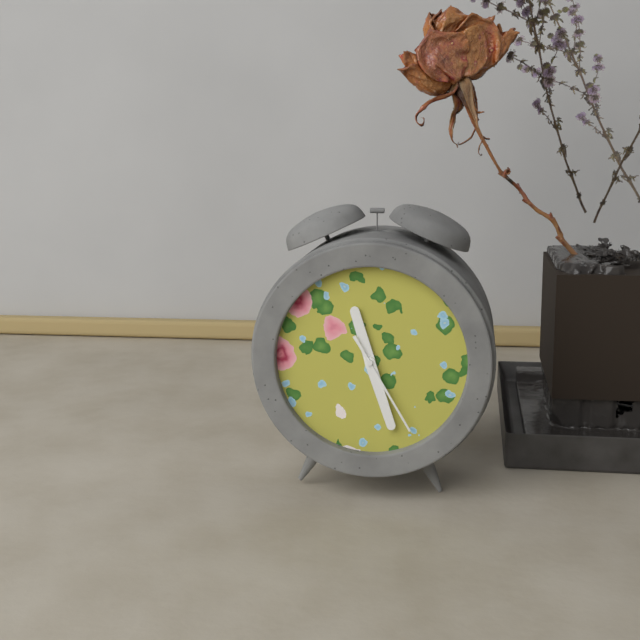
11:27:25
